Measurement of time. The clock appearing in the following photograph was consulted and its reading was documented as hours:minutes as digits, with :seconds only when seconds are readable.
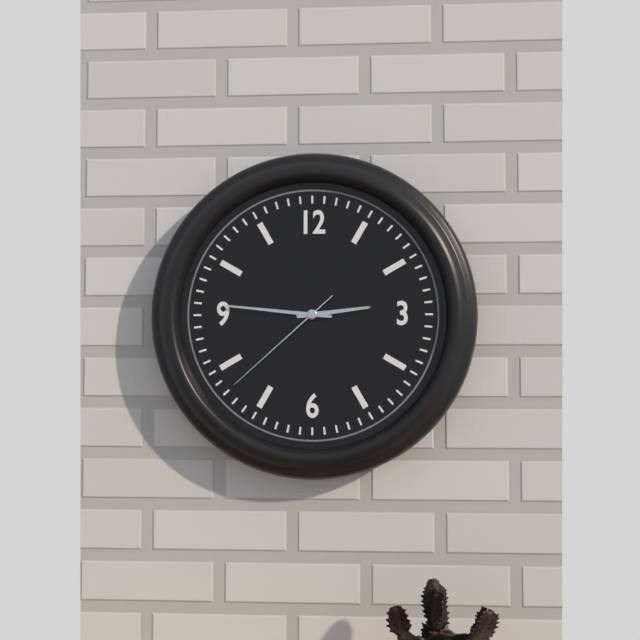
2:46:38
